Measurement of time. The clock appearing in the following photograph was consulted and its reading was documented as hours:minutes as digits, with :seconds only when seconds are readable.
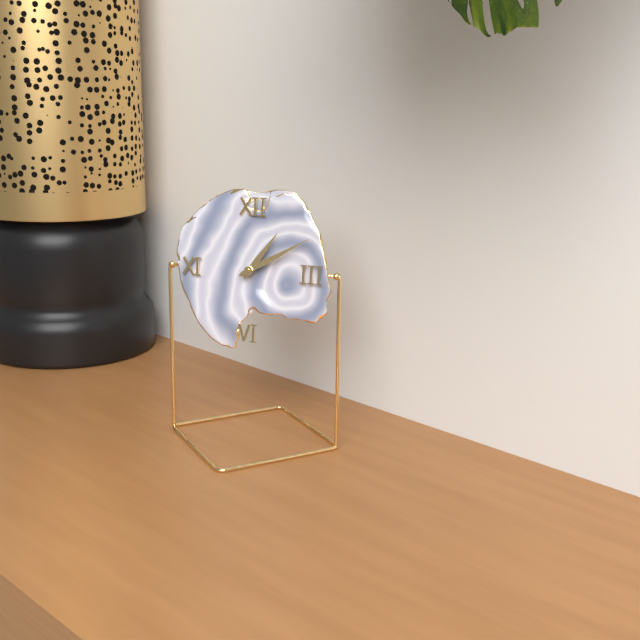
1:10
